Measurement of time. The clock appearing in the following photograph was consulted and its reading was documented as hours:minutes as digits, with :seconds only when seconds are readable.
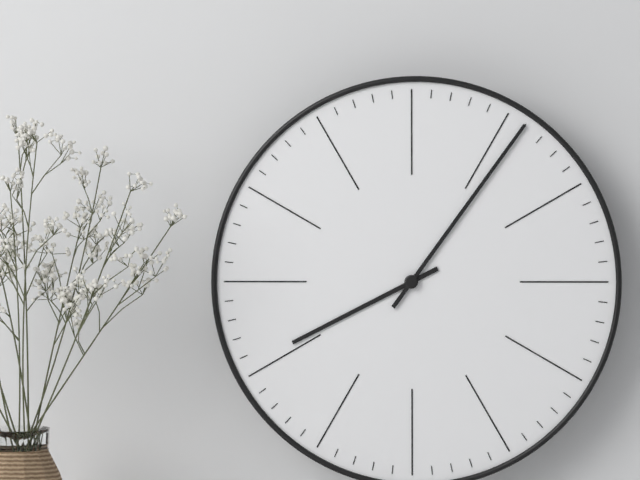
8:06
